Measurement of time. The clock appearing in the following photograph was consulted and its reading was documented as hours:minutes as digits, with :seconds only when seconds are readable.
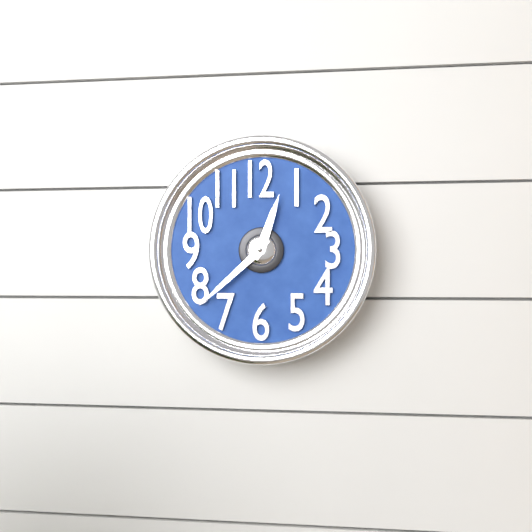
12:38
